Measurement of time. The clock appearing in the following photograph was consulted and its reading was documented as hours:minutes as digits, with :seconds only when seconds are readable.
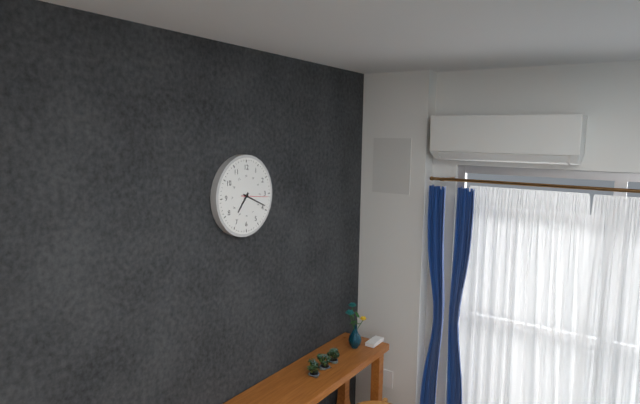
7:19
